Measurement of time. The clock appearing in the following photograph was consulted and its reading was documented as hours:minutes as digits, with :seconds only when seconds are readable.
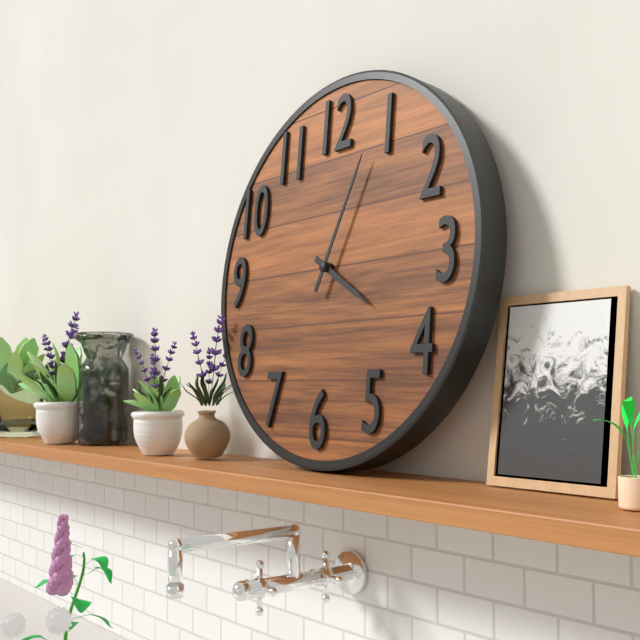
4:04
